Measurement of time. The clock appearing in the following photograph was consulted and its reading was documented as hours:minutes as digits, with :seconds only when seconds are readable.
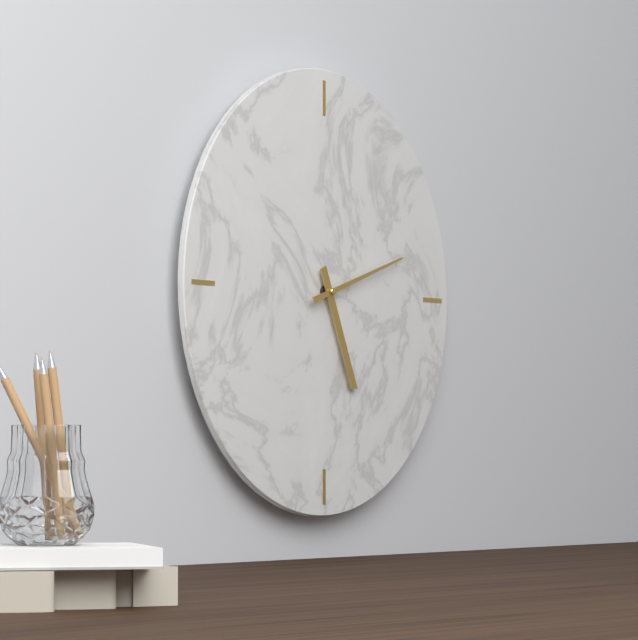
5:12
